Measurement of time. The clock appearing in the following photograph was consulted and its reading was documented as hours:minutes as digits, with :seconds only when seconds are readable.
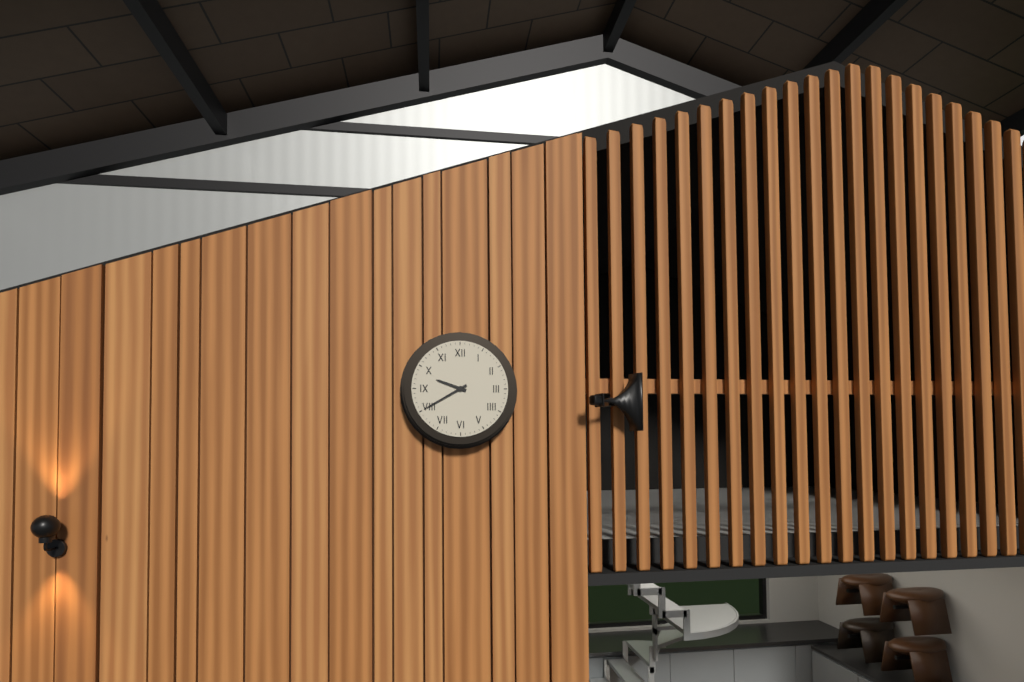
9:40
